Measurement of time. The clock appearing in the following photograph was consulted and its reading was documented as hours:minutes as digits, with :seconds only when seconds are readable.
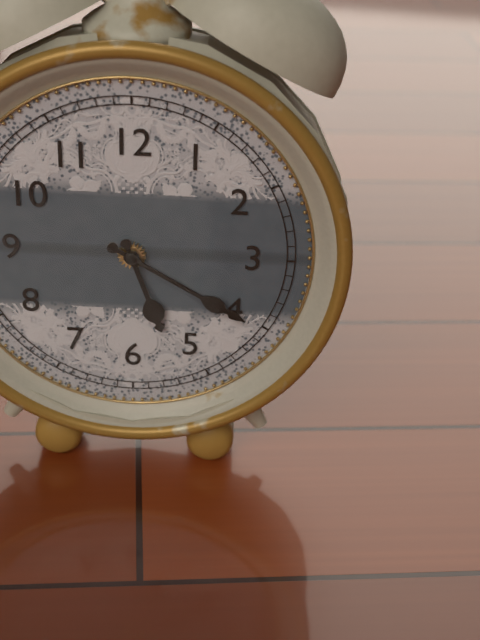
5:20
